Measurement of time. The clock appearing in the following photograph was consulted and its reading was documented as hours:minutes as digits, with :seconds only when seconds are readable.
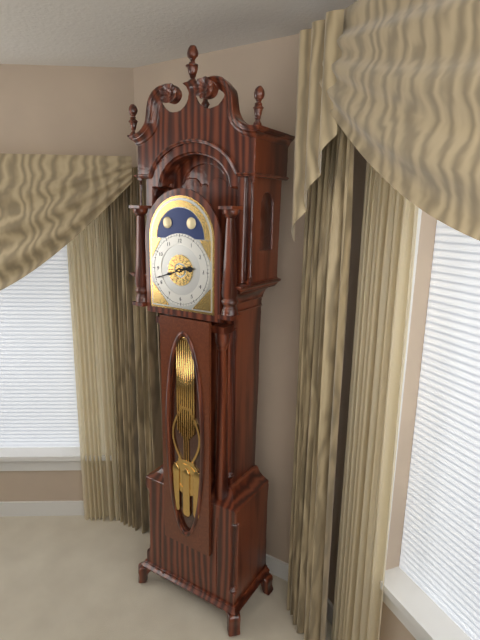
2:42
